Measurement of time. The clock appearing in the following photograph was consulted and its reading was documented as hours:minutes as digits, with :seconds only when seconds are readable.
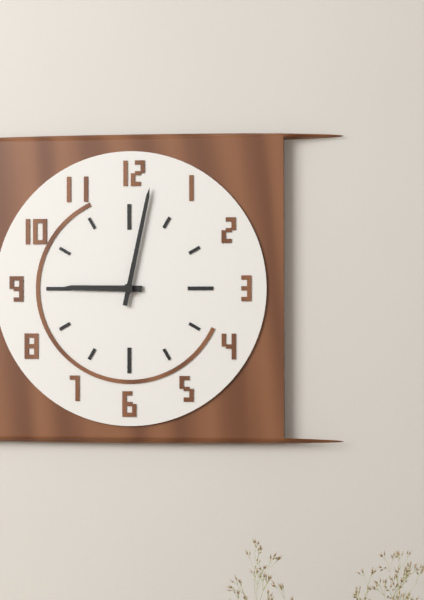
9:02
